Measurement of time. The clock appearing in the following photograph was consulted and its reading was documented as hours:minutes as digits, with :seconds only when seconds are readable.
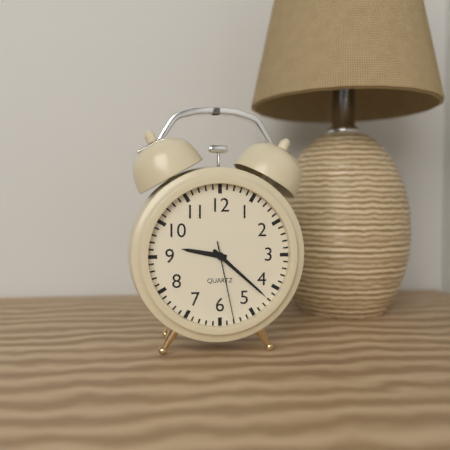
9:22:28
